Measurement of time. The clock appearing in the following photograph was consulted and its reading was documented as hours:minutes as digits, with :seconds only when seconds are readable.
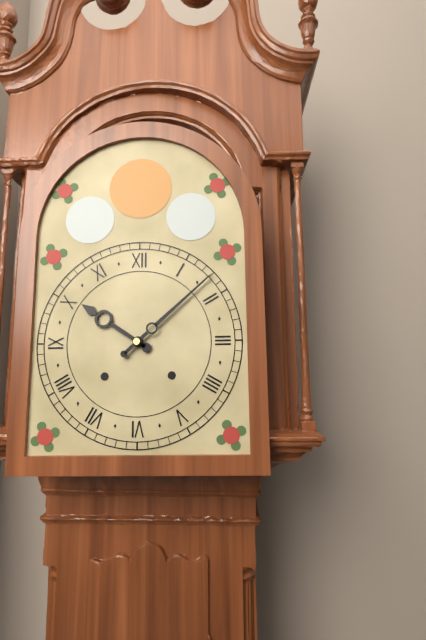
10:08
